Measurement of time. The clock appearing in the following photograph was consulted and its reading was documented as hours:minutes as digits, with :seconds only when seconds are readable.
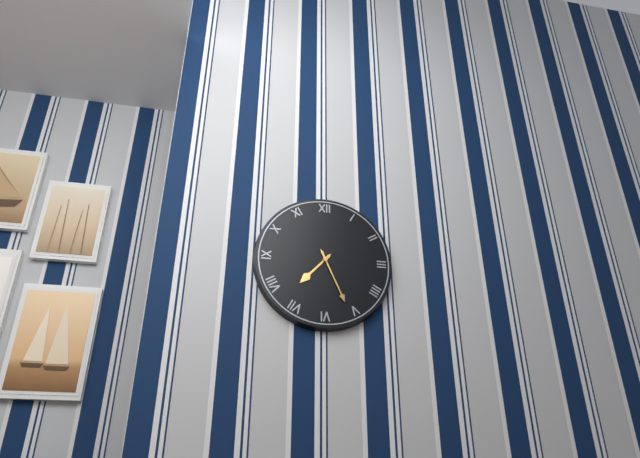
7:26
